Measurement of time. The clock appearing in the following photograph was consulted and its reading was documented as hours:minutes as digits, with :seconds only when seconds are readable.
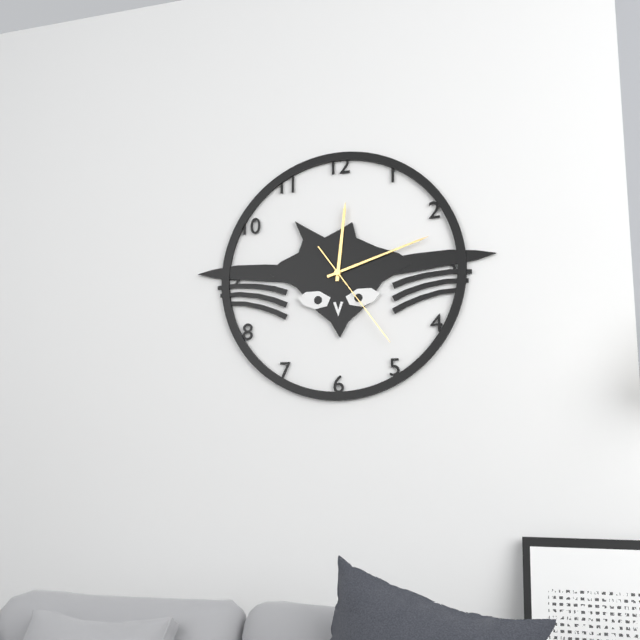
12:12:24
